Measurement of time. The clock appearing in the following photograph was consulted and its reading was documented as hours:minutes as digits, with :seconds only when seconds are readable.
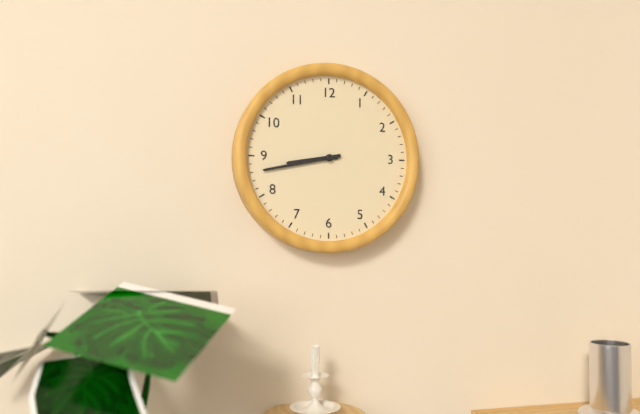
8:43
